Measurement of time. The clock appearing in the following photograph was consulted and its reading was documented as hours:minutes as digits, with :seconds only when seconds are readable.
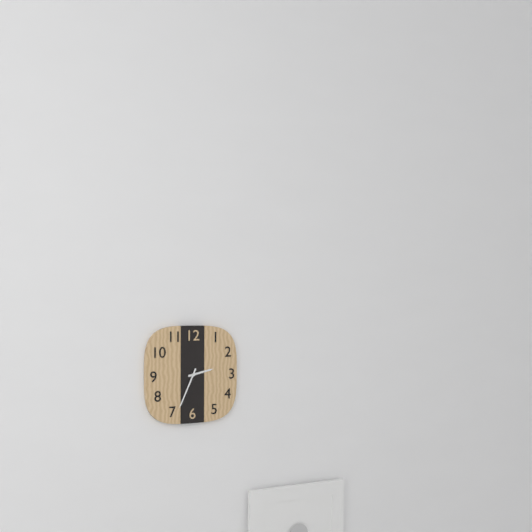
2:34
